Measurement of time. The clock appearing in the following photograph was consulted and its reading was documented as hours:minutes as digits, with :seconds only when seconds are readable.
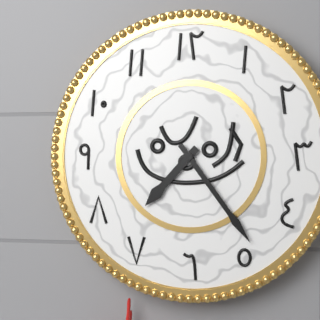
7:24
